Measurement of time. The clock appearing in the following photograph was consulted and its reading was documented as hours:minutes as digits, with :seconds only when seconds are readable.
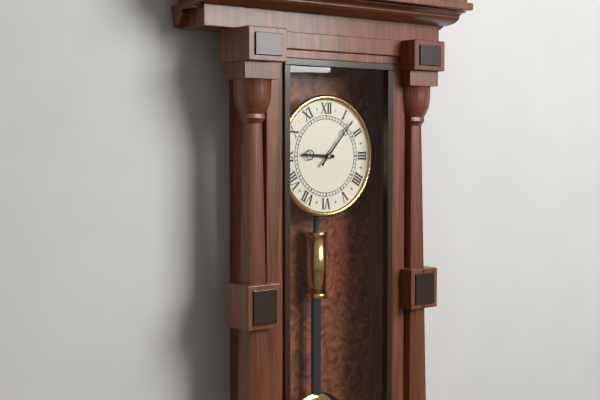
9:07
